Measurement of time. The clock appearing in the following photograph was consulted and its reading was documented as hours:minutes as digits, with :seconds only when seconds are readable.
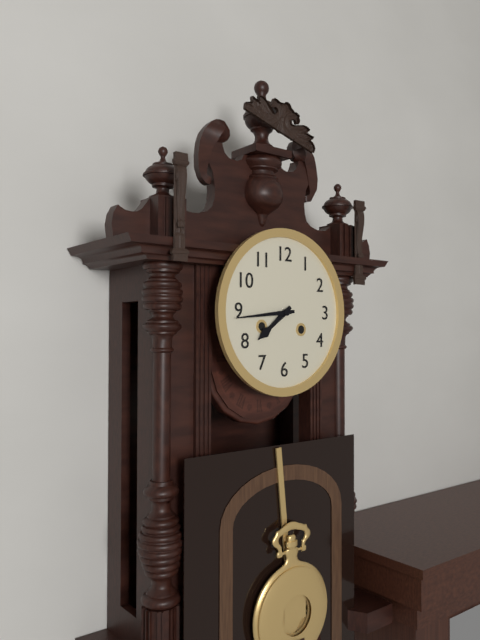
7:44
